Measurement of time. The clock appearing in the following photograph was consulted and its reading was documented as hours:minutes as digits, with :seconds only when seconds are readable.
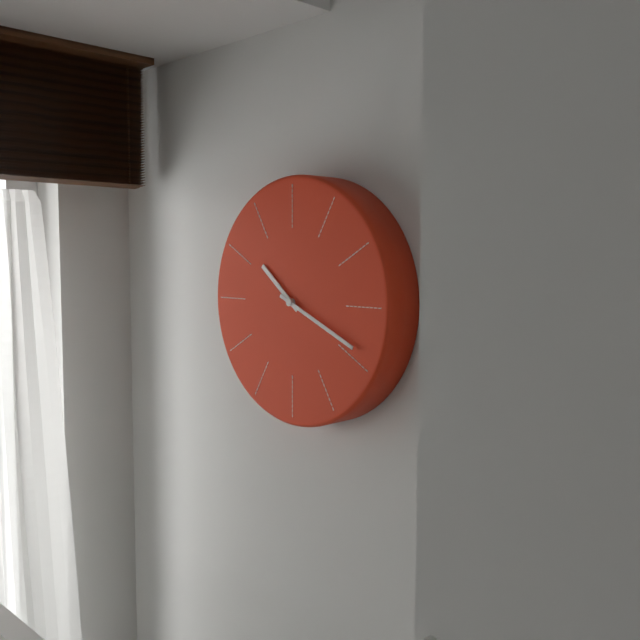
10:19
